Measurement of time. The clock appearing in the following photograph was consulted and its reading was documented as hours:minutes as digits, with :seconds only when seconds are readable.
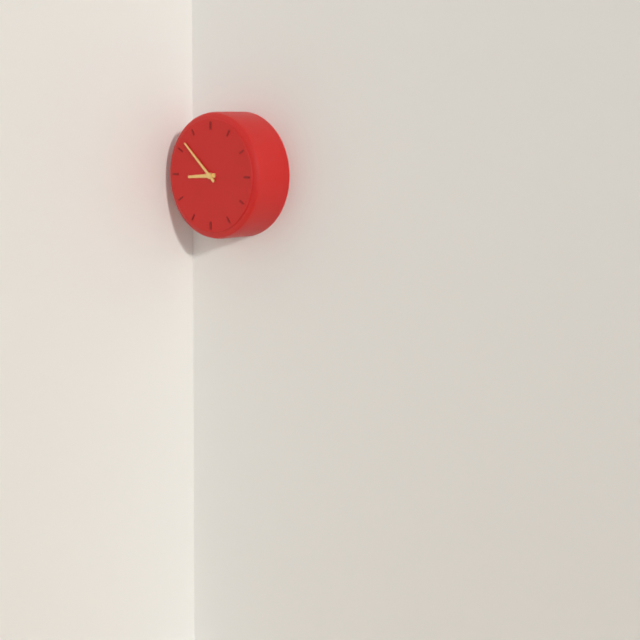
8:52
